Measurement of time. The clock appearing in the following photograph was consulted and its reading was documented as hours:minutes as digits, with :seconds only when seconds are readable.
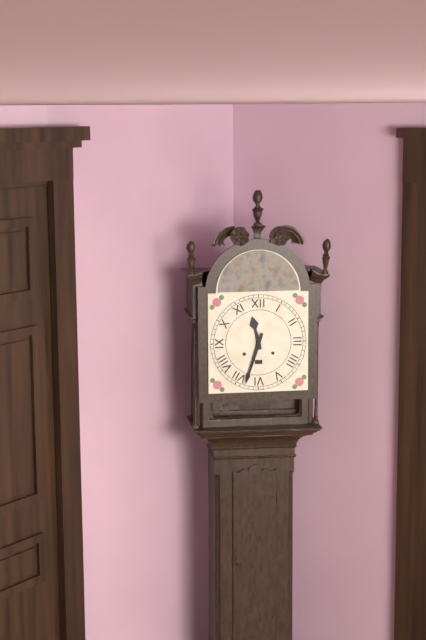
11:33
